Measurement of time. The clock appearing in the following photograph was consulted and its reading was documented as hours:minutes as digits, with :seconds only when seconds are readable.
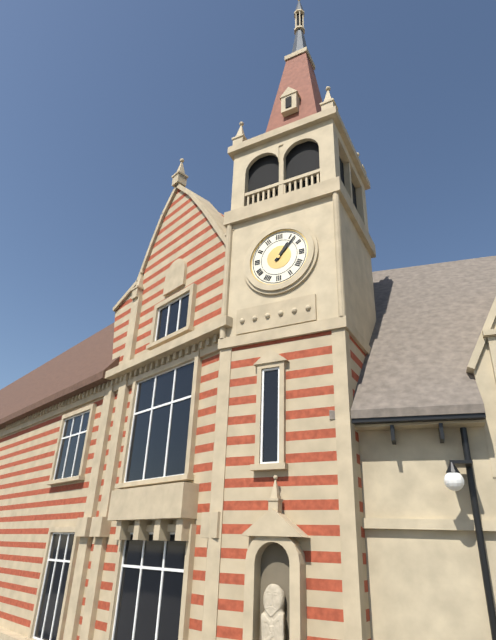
1:07
